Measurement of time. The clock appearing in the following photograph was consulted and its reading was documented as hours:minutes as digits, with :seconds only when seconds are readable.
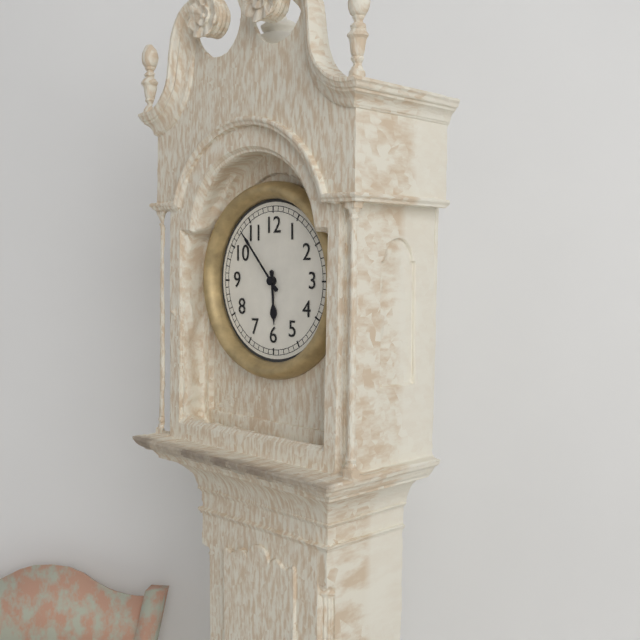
5:53
